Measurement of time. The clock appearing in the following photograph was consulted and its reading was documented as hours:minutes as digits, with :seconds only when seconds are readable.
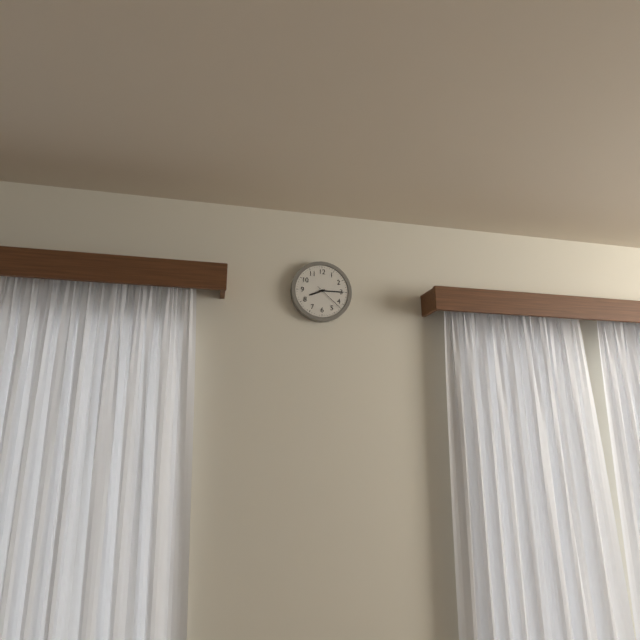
8:15
